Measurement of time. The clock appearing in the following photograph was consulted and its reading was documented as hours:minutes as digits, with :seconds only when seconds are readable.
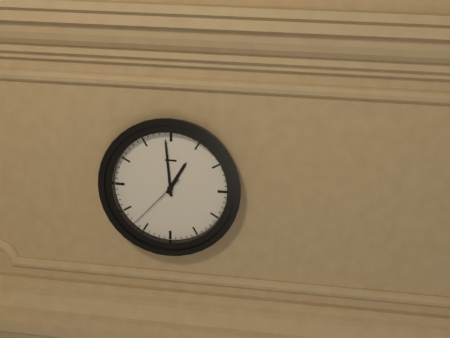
12:59:37
